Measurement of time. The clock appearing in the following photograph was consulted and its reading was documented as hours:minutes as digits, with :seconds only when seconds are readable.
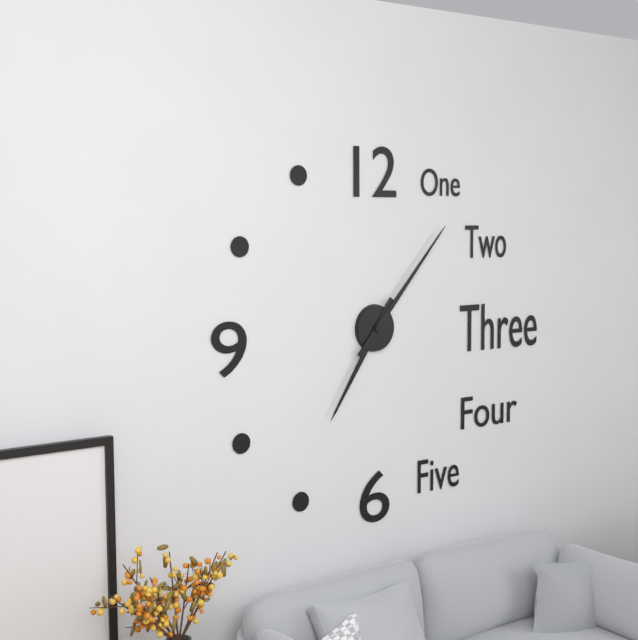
7:07
